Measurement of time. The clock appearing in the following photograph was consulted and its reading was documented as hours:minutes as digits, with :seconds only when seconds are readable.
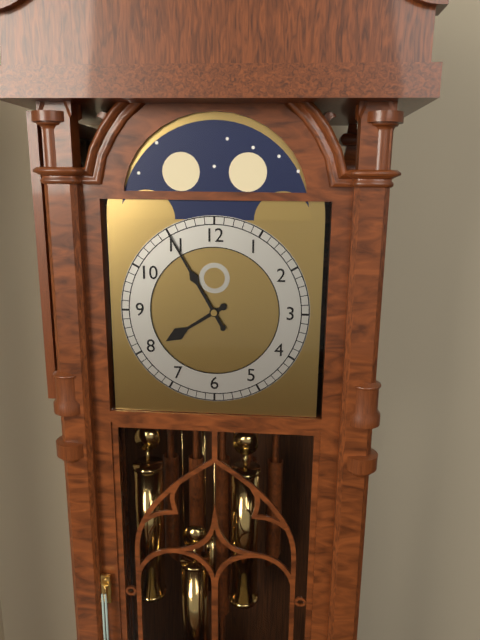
7:55
